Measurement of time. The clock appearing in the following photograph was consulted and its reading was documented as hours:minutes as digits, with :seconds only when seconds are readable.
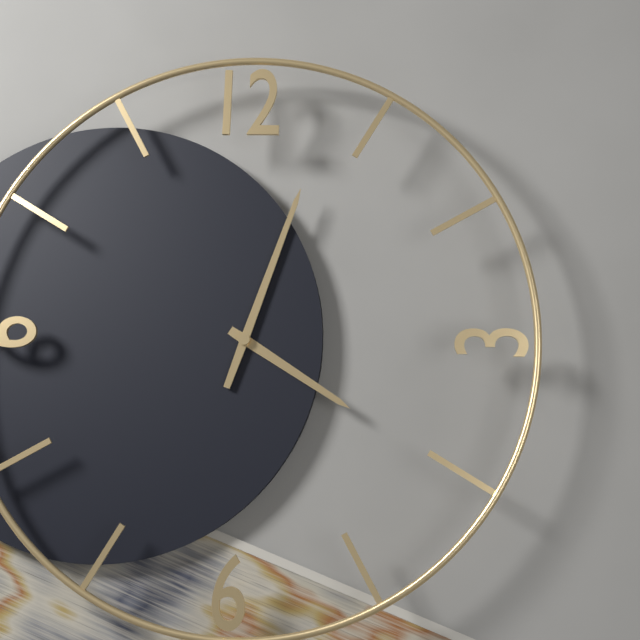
4:03
